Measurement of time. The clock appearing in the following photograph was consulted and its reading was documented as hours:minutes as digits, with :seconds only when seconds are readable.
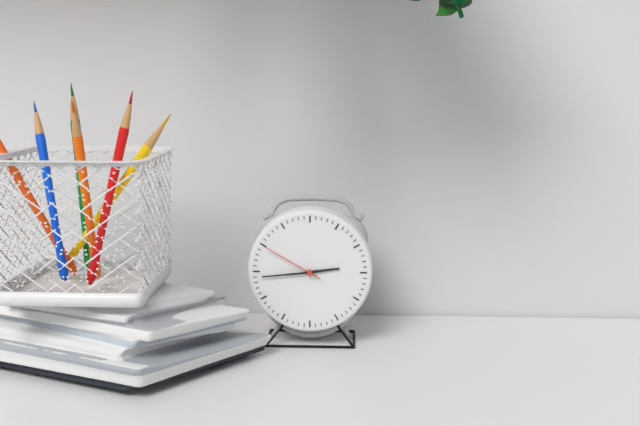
2:44:50
